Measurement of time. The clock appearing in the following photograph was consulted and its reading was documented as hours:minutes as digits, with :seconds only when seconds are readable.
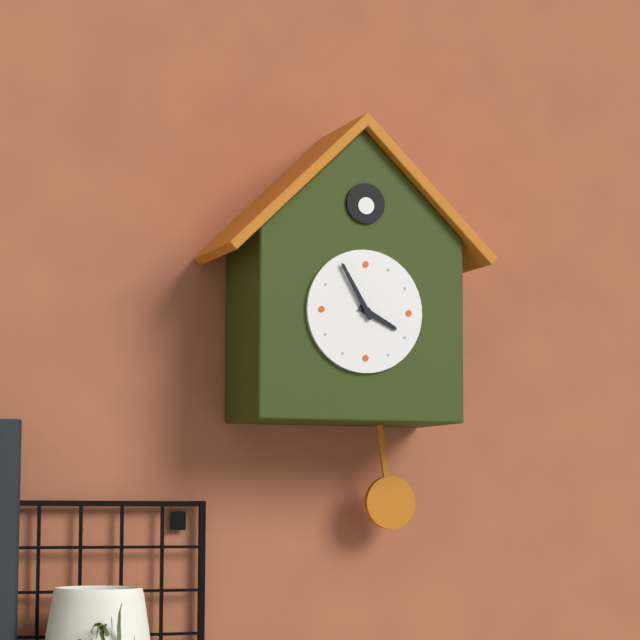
3:55
